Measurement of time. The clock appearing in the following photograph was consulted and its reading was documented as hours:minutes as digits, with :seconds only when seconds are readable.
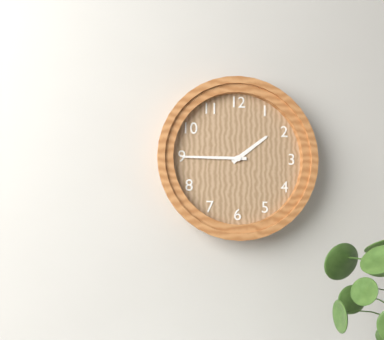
1:45
